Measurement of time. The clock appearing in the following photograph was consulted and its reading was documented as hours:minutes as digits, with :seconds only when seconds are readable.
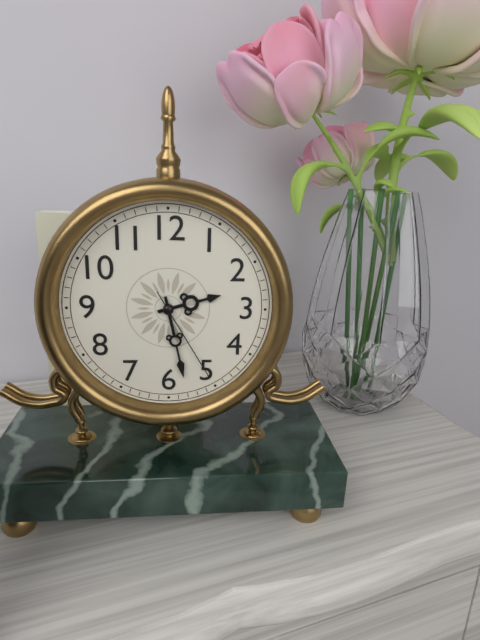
2:28:25
